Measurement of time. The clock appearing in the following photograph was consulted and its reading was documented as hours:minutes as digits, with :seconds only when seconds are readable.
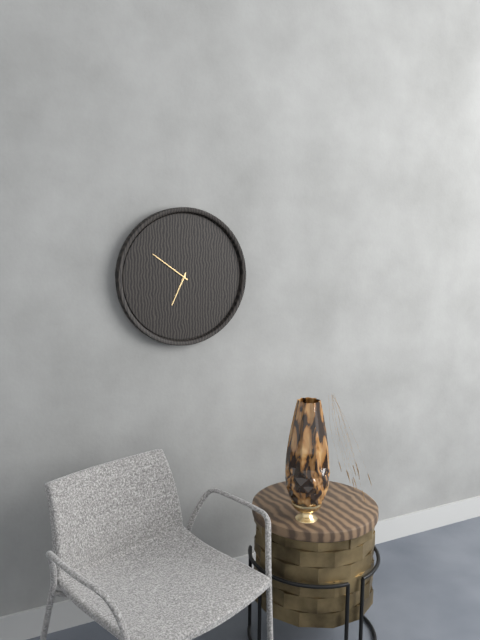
6:51
